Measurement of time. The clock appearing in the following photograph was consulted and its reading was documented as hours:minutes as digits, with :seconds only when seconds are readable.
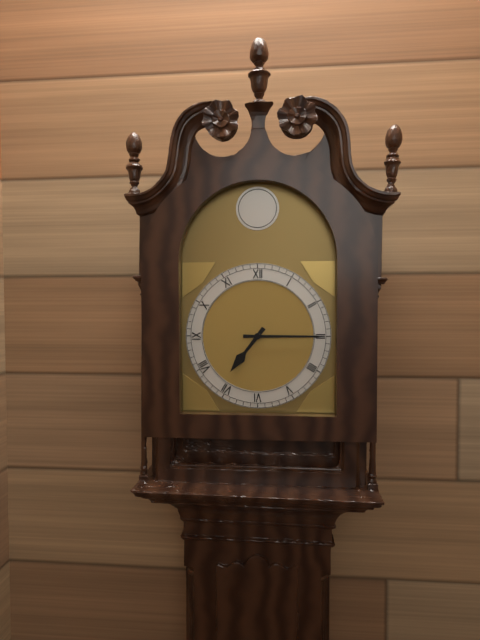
7:15
